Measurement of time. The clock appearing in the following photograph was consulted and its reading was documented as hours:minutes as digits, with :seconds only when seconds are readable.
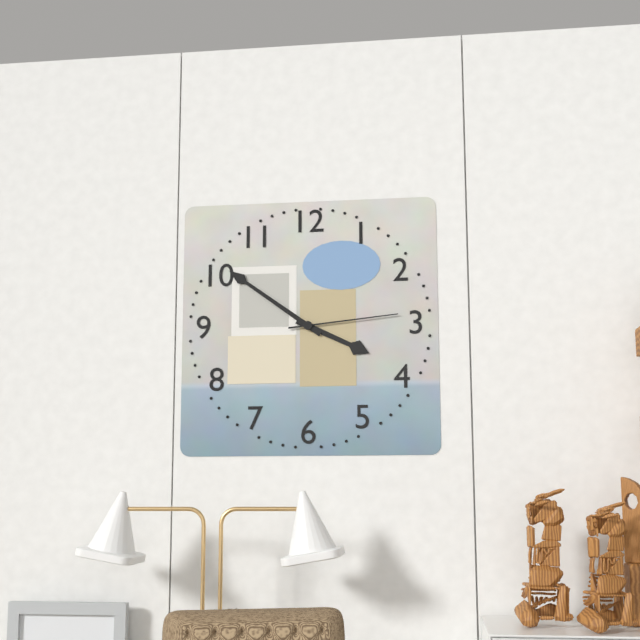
3:51:14
